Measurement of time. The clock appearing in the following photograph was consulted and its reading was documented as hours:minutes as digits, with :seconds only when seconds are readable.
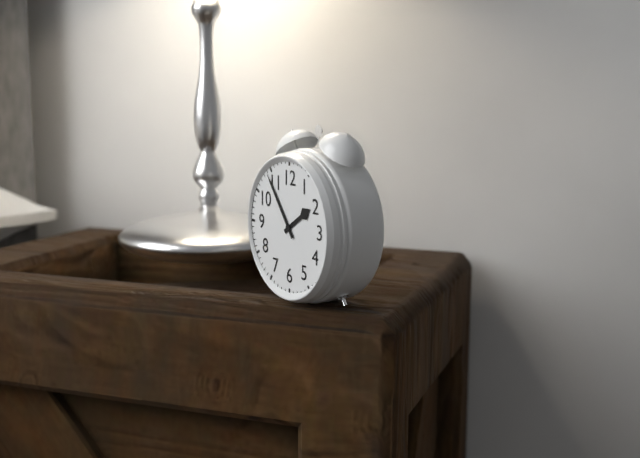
1:54
